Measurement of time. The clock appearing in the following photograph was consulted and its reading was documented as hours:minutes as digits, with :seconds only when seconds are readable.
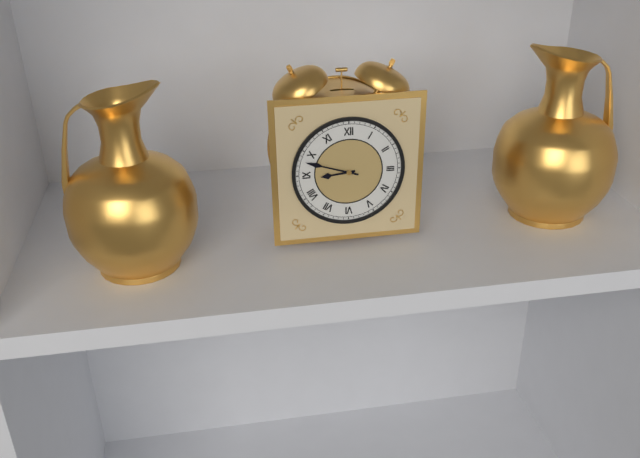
8:48
